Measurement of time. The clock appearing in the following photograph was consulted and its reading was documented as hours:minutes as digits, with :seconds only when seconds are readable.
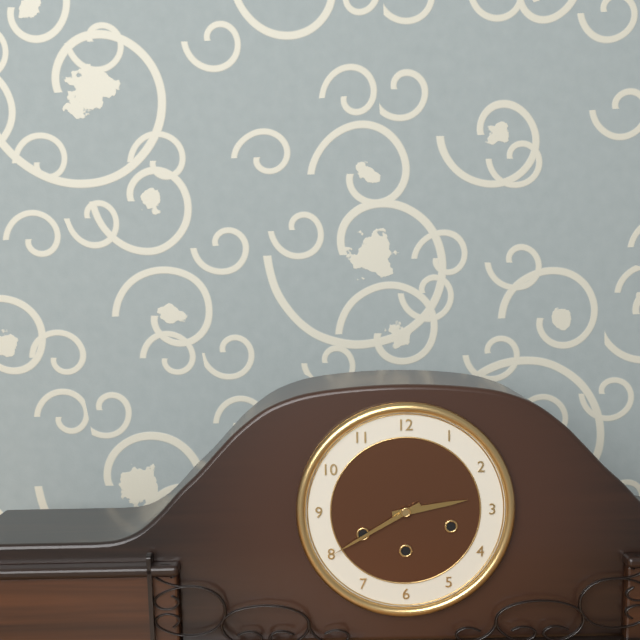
2:40
